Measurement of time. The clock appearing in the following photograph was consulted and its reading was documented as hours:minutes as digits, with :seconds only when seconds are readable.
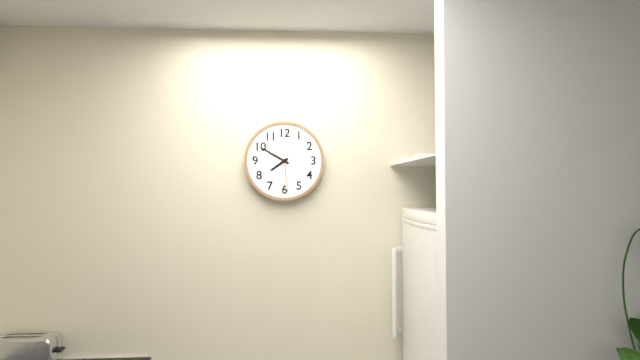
7:50
